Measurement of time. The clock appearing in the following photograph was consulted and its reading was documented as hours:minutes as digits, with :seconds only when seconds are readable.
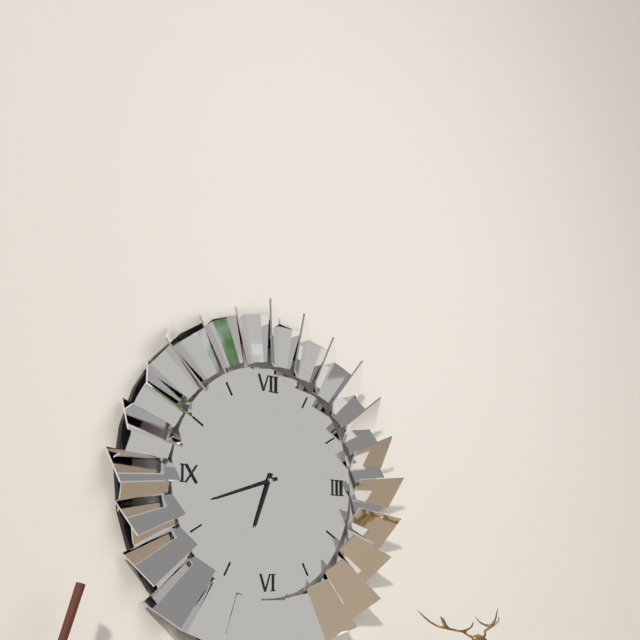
6:42
